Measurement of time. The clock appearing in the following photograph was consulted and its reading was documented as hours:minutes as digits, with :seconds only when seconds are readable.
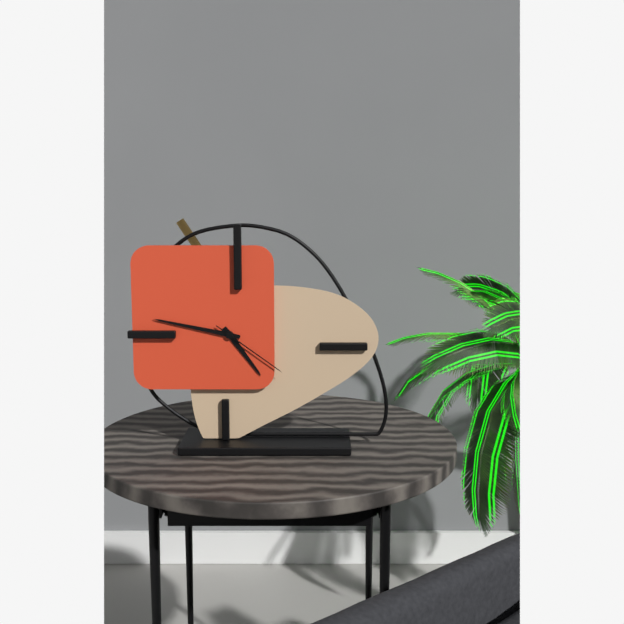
4:47:21
